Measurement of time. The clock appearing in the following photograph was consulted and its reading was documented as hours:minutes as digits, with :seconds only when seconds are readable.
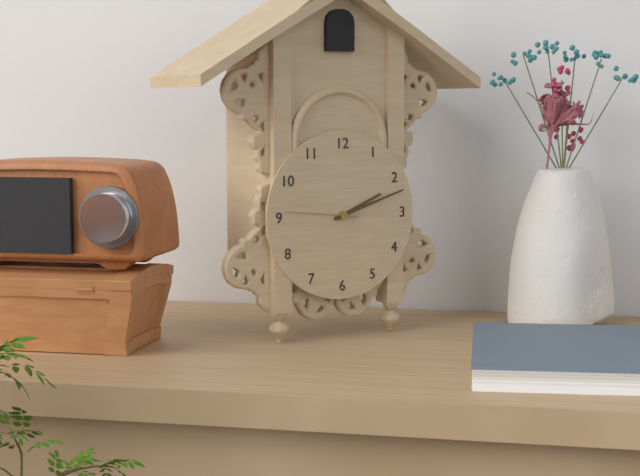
2:12:46
